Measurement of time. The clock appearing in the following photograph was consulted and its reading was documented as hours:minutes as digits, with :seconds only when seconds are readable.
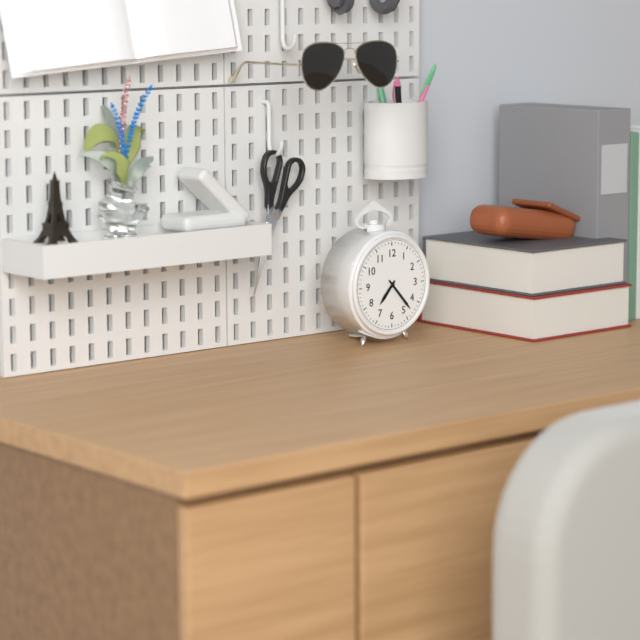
7:23
